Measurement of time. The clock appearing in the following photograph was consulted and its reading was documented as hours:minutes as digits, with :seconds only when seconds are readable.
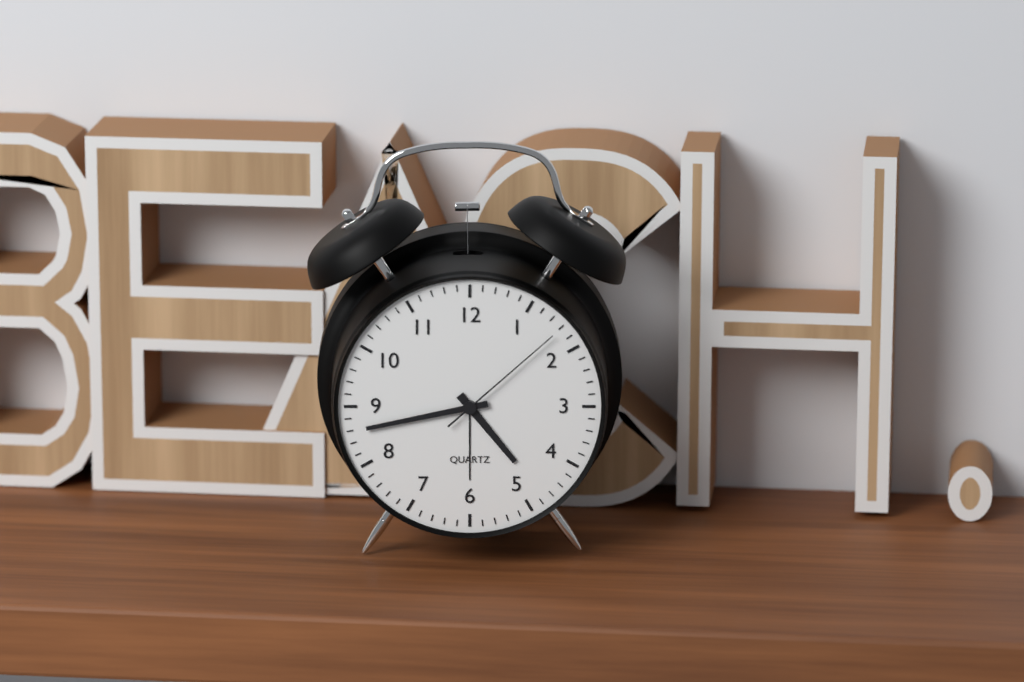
4:43:08
